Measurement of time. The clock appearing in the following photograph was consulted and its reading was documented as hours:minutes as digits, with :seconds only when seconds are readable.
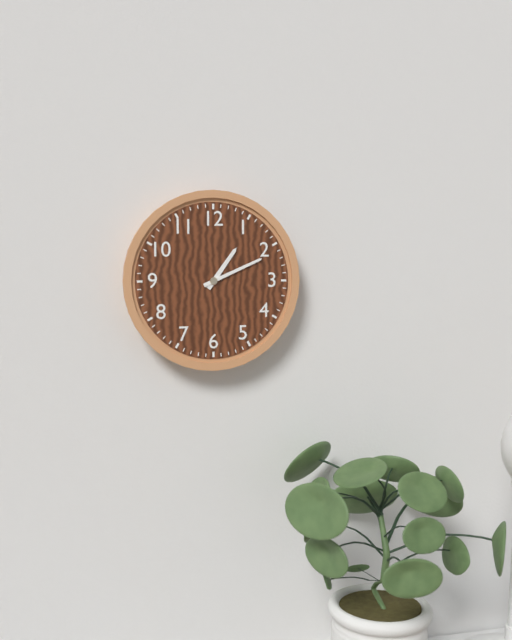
1:11
